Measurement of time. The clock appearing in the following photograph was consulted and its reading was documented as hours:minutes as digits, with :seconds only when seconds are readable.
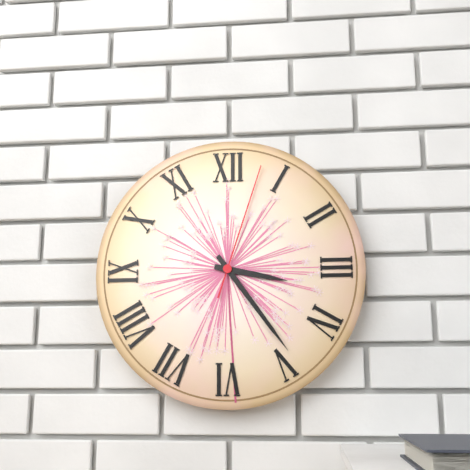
3:24:03
